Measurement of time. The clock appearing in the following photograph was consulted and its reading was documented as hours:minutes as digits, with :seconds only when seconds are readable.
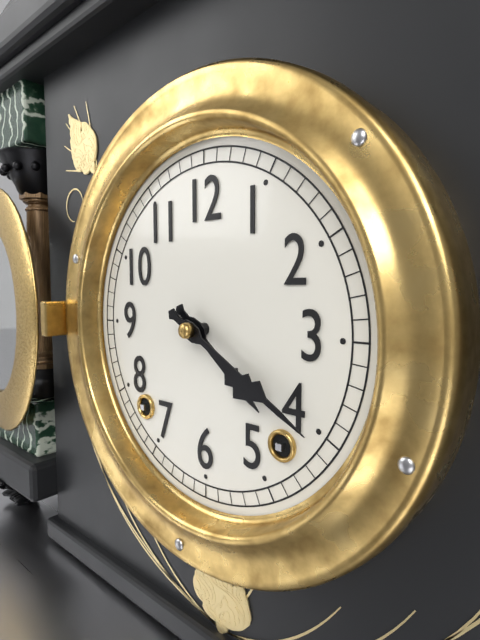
4:20
